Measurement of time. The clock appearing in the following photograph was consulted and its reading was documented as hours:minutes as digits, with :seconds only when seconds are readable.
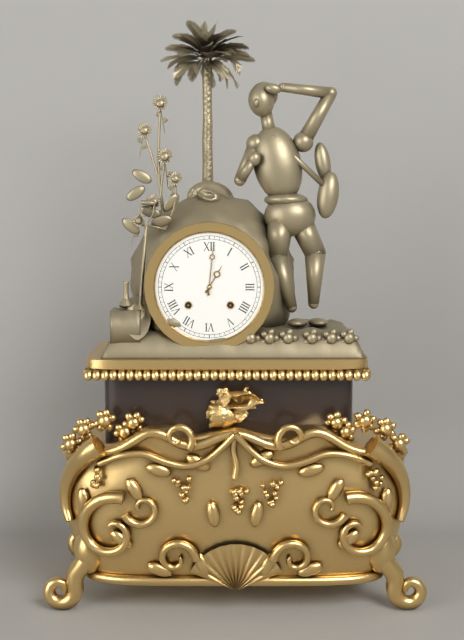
1:01
